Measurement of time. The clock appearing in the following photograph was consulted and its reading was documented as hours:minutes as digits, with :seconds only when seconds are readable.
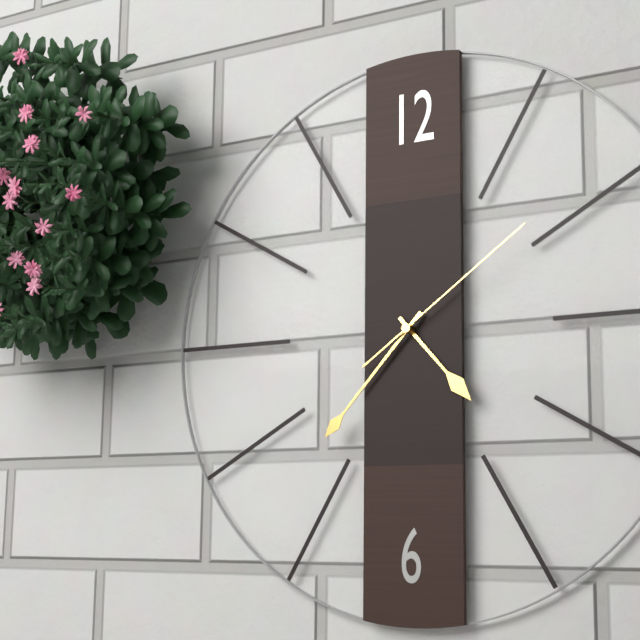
4:37:09
